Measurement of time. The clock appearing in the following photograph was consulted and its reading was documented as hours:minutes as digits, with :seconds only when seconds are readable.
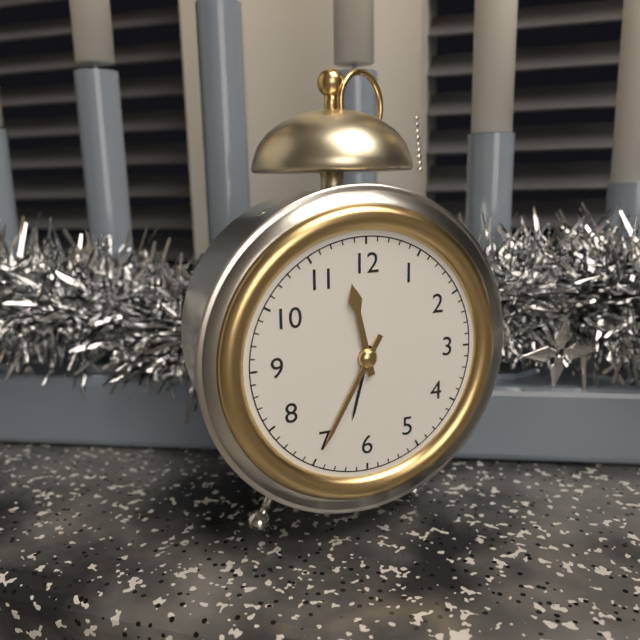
11:35
